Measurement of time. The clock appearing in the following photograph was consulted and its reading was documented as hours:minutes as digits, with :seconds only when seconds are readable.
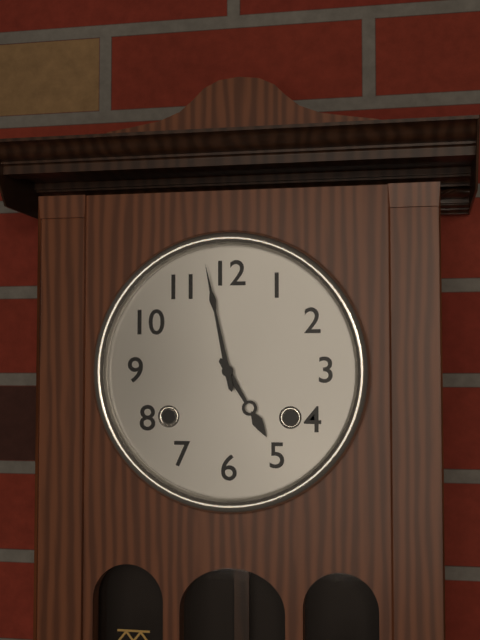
4:58
